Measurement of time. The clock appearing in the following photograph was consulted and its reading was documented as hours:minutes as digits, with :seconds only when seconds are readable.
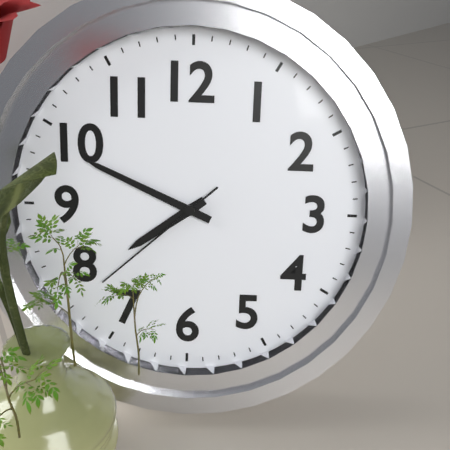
7:49:38
